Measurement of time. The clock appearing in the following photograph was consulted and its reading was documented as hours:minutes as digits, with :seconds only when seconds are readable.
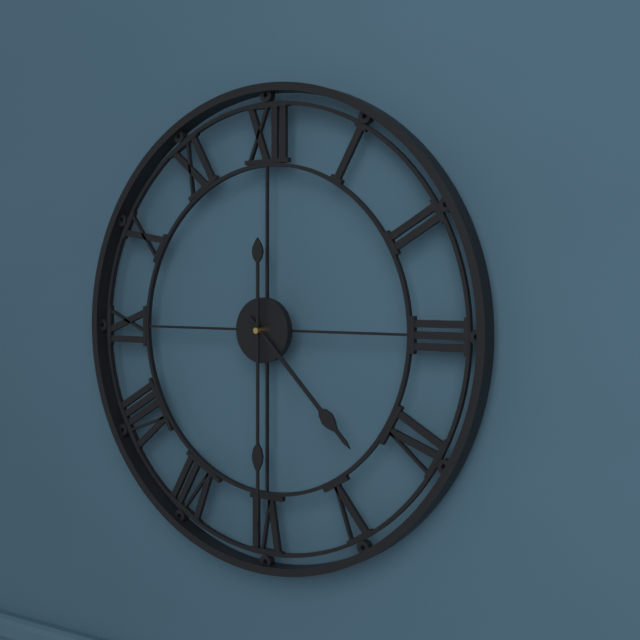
4:30
